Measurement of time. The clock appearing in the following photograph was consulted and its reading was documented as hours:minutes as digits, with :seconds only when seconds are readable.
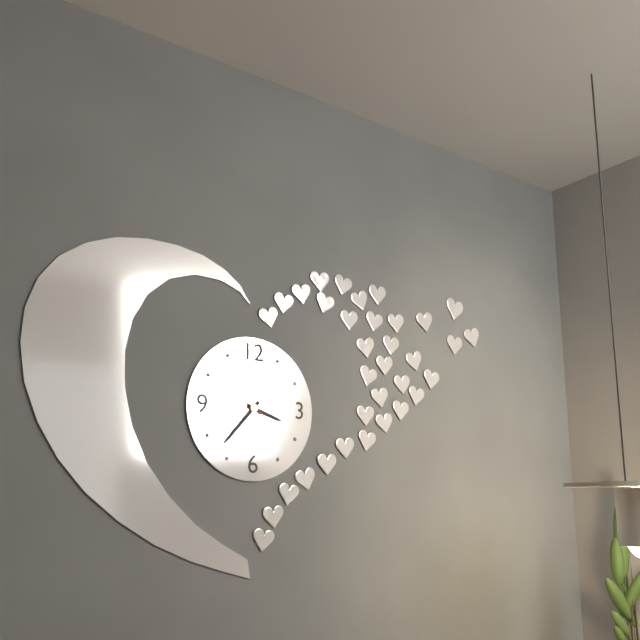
3:37:50
